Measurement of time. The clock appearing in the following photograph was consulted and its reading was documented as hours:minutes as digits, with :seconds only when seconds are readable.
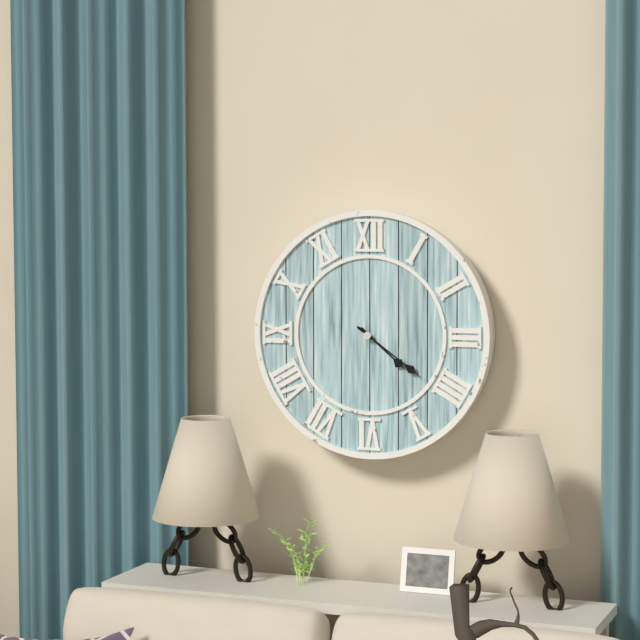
4:21
